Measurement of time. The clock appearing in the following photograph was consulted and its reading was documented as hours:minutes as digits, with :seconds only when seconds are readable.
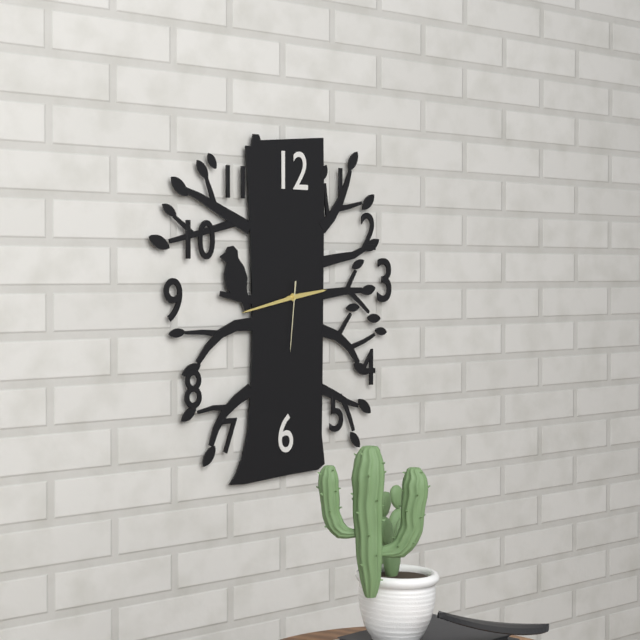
2:43:31
